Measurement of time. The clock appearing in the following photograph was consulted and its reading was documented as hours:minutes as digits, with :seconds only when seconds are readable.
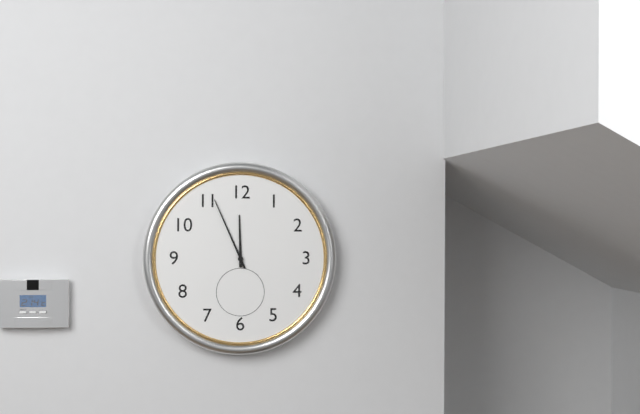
11:56
